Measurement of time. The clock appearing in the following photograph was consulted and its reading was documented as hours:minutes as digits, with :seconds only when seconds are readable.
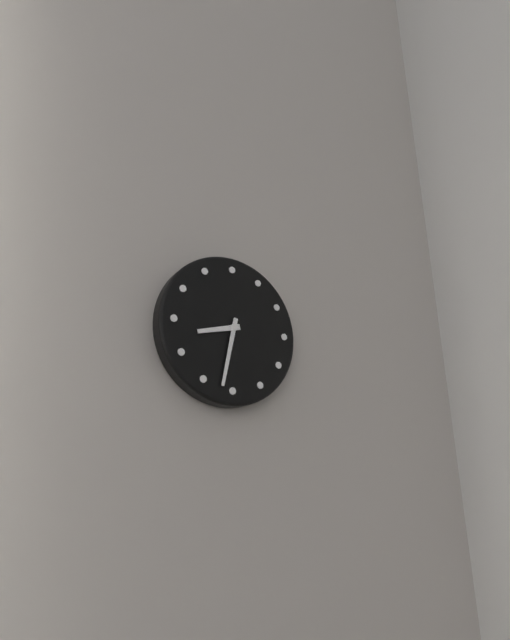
8:32
